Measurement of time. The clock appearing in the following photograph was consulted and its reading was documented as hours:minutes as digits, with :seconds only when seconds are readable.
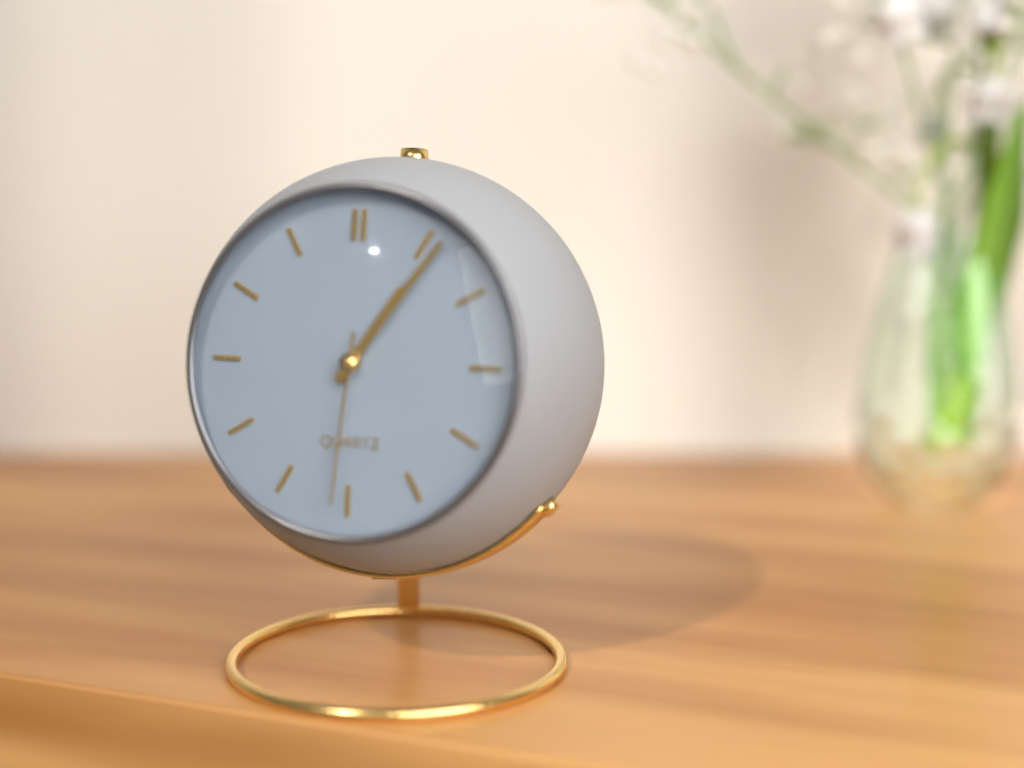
1:06:31
